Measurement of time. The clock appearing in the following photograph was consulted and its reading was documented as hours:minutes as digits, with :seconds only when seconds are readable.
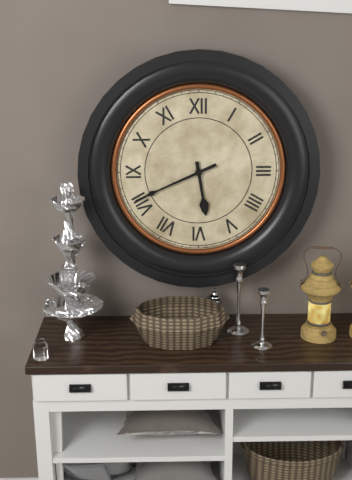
5:41
